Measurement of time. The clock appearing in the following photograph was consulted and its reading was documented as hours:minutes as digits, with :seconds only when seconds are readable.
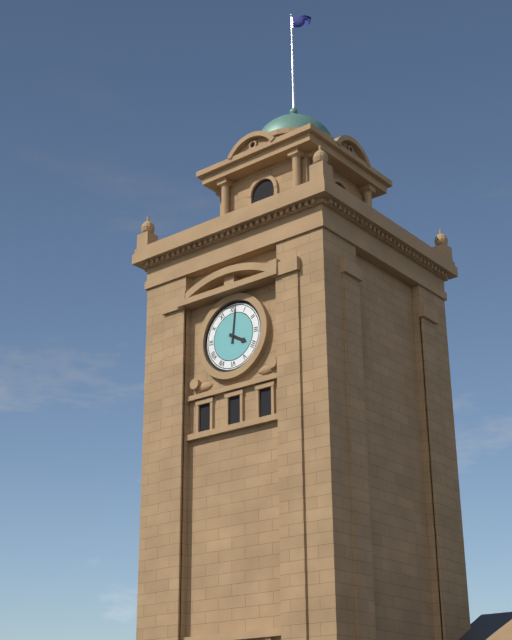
4:01
